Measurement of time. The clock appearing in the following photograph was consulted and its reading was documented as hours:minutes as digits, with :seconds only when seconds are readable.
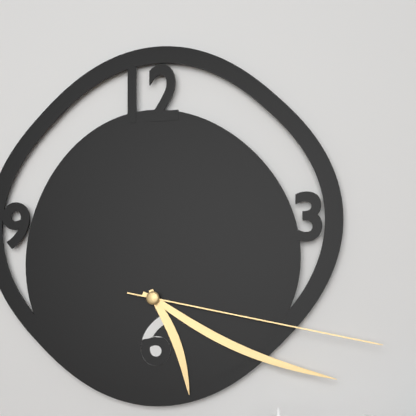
5:19:17
